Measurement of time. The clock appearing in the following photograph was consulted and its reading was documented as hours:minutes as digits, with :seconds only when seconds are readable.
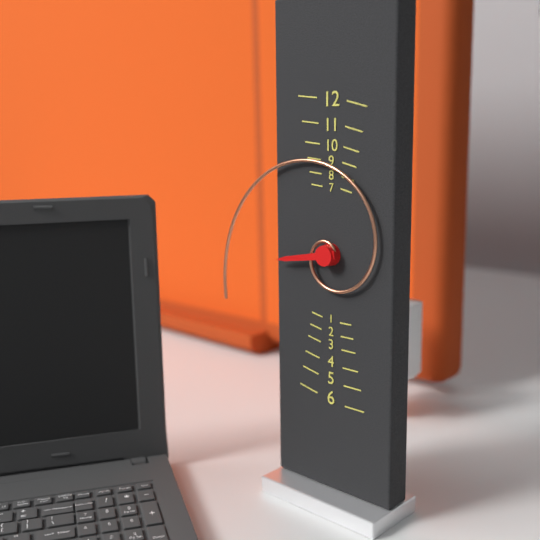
8:41
